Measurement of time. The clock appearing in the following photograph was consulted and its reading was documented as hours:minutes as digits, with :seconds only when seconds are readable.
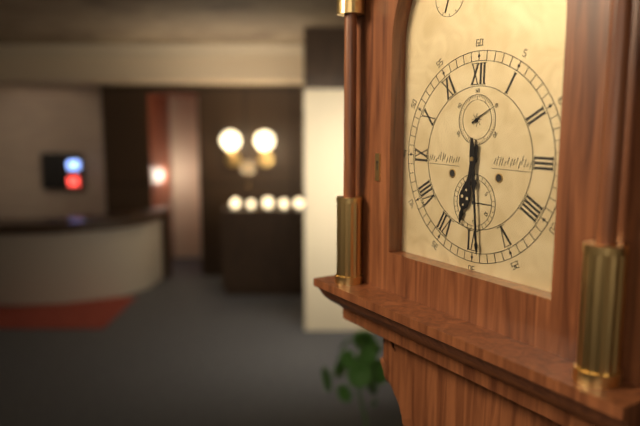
6:29
